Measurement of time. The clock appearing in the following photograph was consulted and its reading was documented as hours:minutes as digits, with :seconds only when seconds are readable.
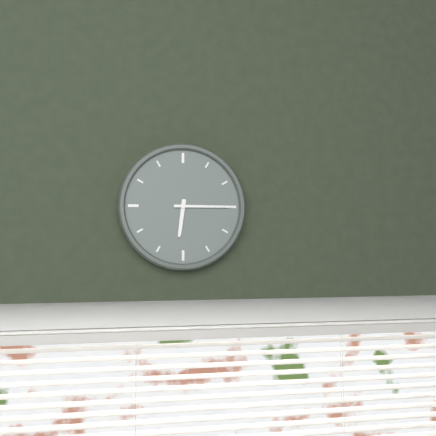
6:15
